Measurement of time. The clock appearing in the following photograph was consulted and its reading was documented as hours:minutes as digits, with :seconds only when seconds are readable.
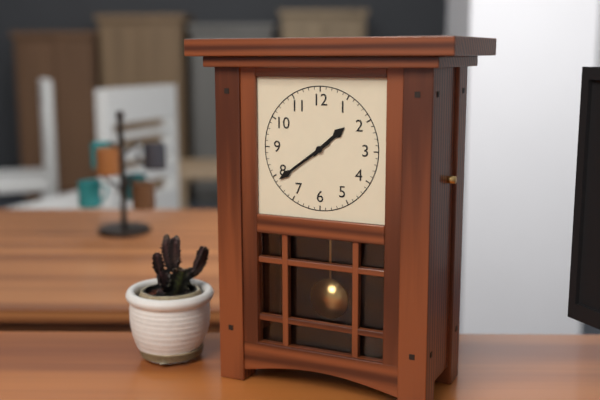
1:39
